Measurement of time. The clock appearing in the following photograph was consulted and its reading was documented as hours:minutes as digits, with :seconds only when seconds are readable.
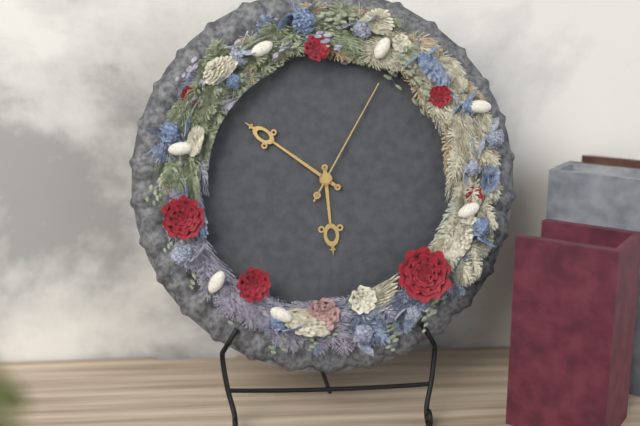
5:51:05
